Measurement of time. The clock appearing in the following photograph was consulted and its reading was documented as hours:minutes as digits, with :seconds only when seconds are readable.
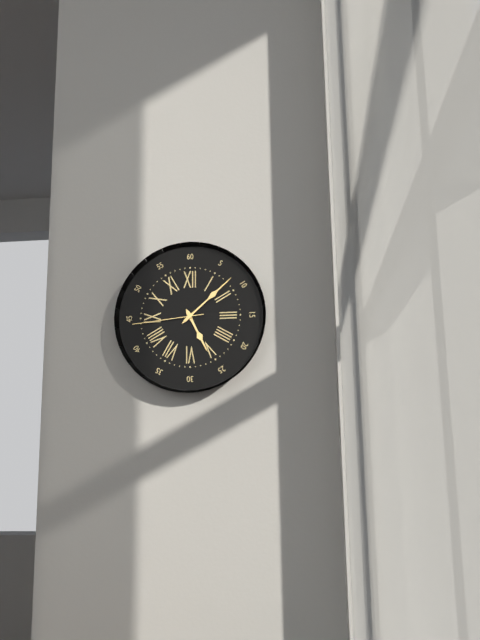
5:08:44
